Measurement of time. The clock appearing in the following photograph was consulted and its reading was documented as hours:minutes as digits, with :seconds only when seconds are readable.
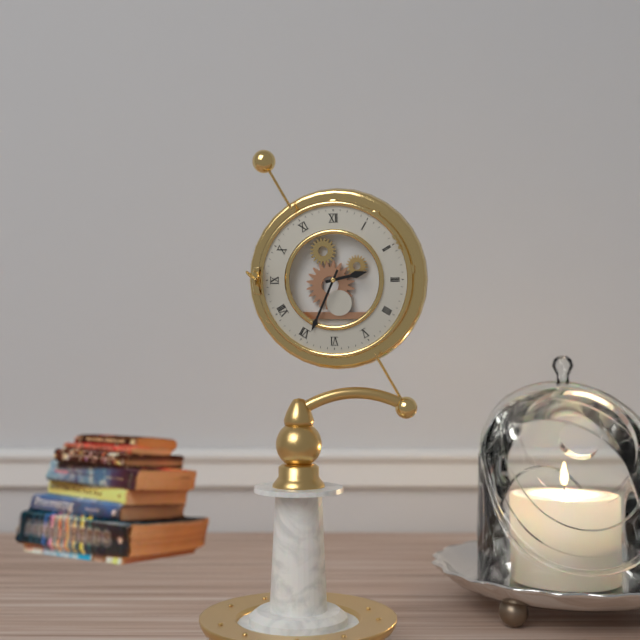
2:34
